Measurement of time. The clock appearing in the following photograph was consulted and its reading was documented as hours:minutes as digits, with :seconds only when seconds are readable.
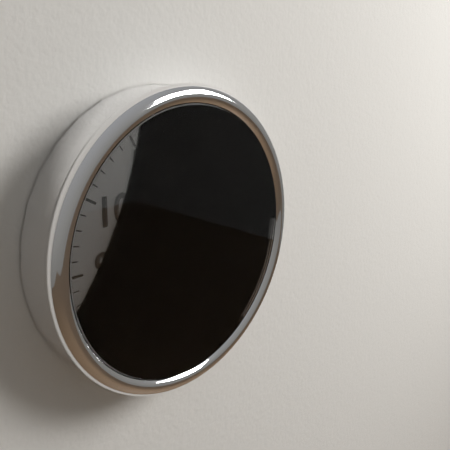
5:18
